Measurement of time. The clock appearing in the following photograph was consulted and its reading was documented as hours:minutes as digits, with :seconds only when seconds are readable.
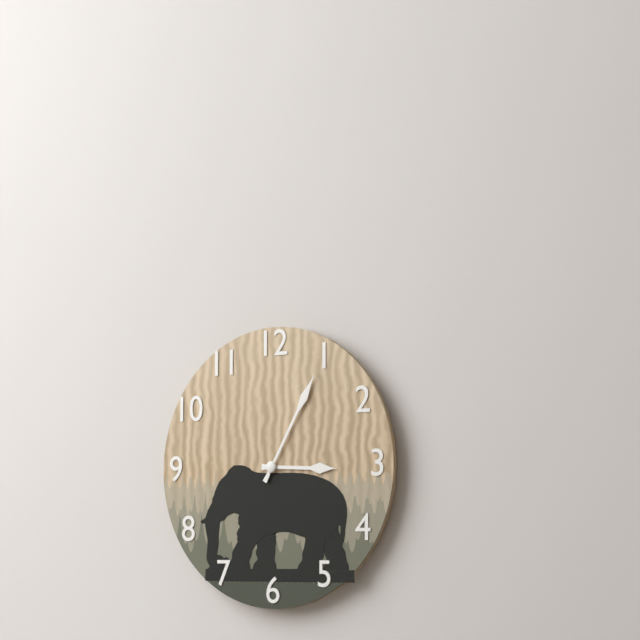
3:05
